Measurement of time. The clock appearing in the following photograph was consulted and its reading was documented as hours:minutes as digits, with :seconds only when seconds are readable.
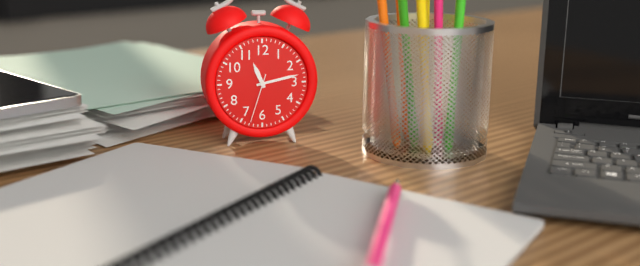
11:13:33
